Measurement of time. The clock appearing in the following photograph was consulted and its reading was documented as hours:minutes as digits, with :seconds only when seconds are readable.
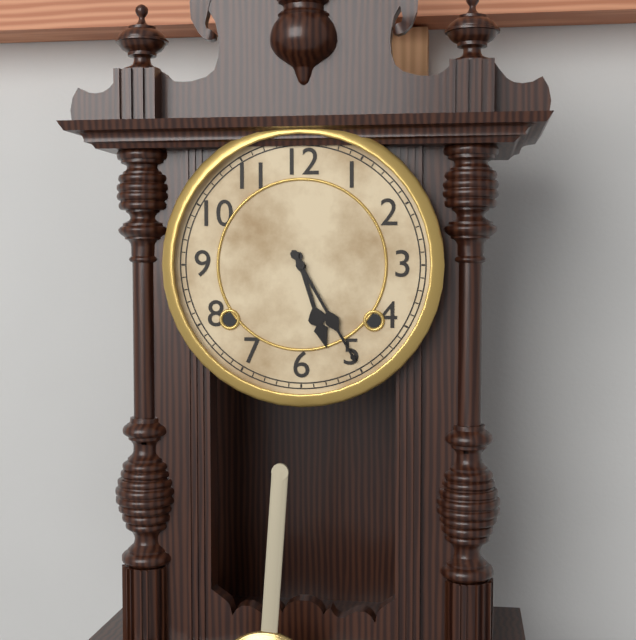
5:25
